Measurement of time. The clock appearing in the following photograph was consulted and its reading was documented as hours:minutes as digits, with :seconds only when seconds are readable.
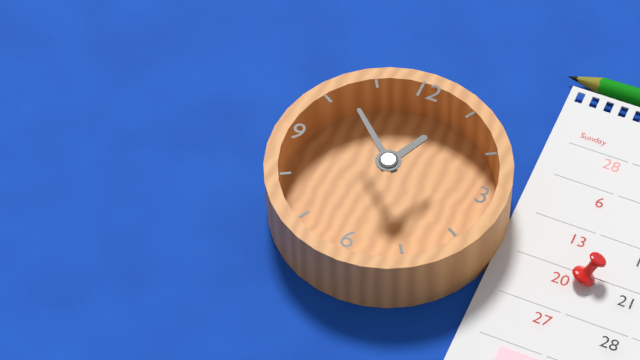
12:52
